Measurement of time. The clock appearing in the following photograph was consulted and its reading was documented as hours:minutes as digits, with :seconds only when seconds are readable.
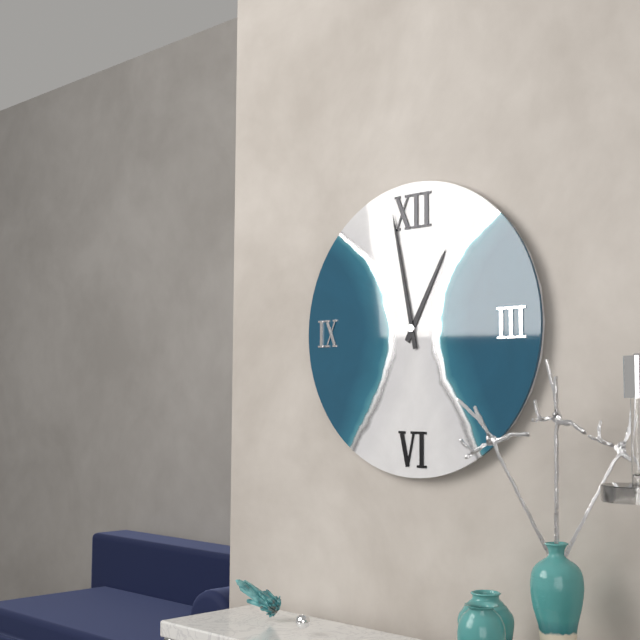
12:58
